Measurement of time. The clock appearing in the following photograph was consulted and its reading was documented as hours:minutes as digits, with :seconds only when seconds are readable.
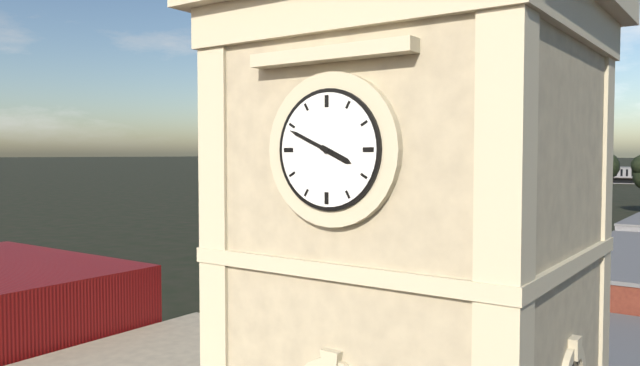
3:49
